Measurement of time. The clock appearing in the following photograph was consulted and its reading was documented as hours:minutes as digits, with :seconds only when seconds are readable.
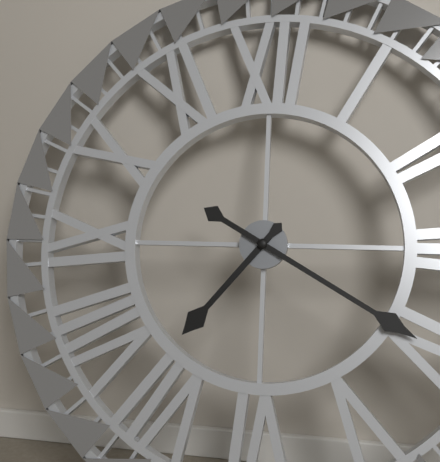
7:20
